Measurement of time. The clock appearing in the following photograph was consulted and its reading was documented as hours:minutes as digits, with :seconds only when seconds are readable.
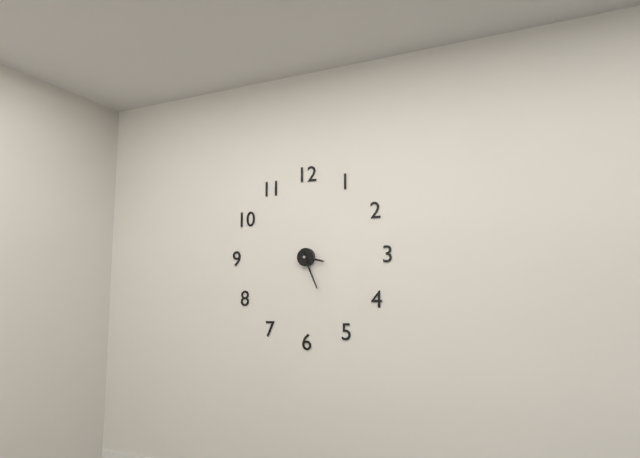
3:26
